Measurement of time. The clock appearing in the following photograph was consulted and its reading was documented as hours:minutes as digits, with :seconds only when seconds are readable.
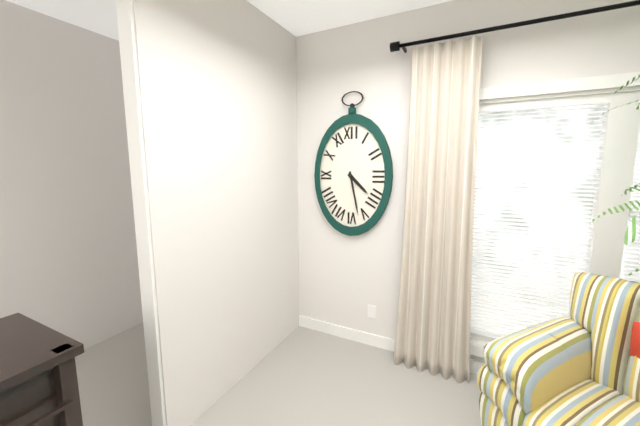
4:28
